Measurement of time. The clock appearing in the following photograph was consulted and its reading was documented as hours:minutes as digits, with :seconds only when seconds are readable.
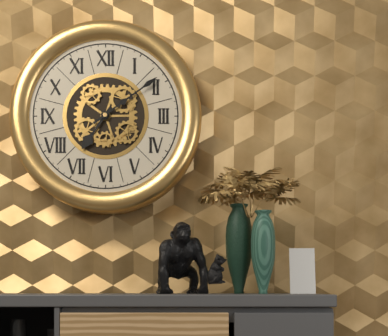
7:09
